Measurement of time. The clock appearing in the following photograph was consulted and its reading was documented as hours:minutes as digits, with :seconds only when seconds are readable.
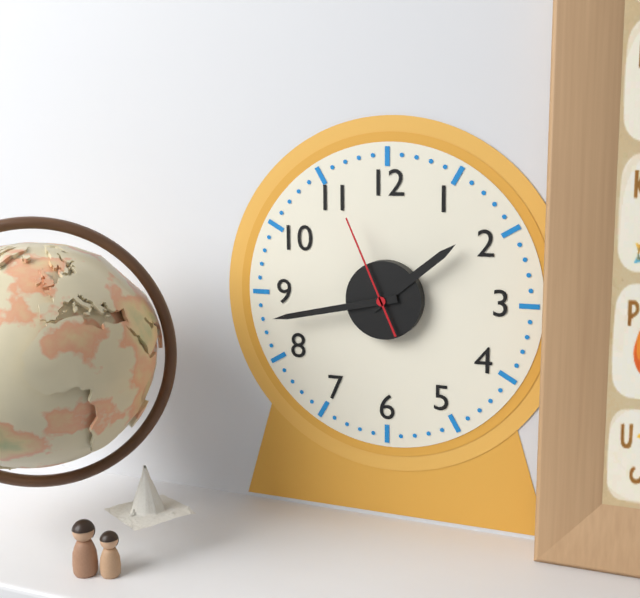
1:43:56
